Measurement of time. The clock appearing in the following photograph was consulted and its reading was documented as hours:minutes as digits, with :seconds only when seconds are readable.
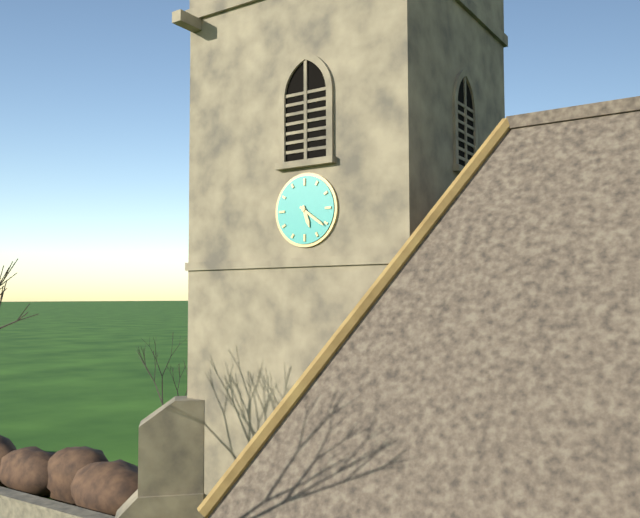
5:21
